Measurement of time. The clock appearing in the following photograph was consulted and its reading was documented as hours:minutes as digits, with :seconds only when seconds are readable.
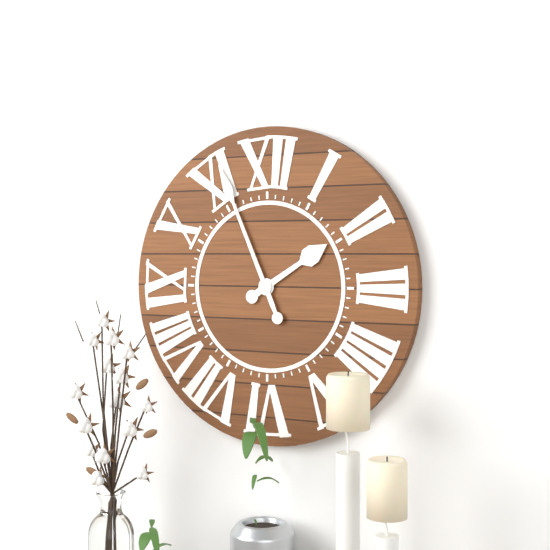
1:56
